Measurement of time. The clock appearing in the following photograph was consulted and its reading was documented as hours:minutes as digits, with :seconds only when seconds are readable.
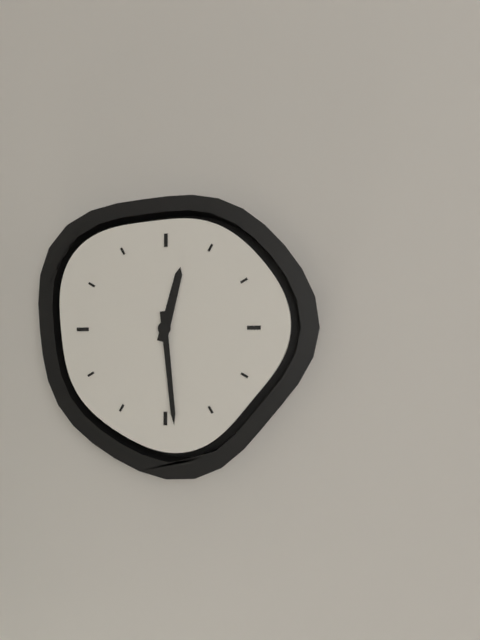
12:29
